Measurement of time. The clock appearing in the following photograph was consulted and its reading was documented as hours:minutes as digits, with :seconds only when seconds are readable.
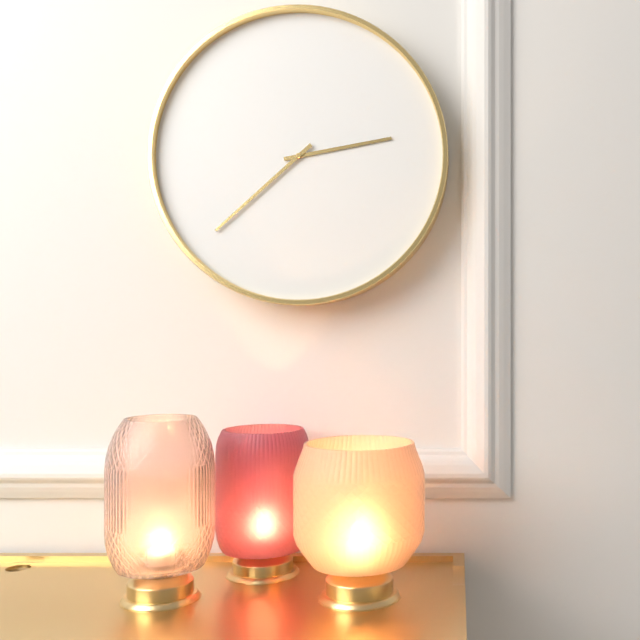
2:38
